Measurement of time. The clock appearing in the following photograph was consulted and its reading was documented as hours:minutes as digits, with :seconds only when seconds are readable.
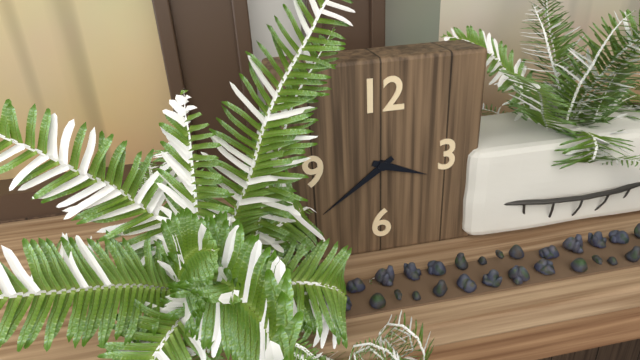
3:39
